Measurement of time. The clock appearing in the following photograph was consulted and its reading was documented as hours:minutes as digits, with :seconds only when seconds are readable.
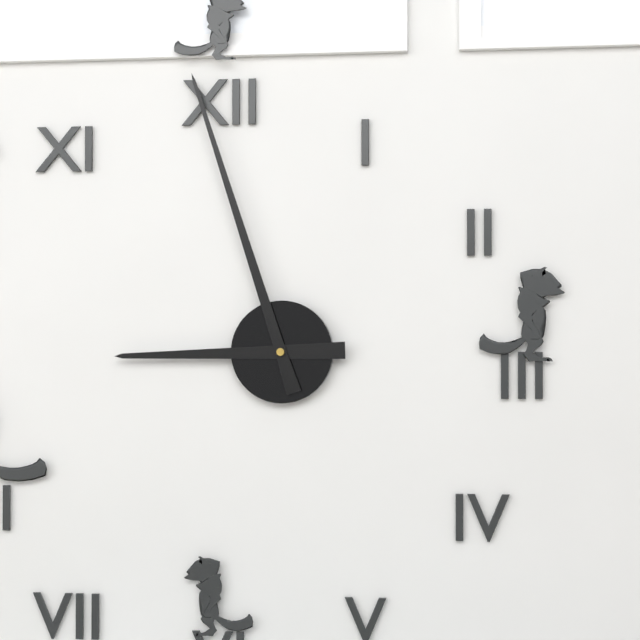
8:57
